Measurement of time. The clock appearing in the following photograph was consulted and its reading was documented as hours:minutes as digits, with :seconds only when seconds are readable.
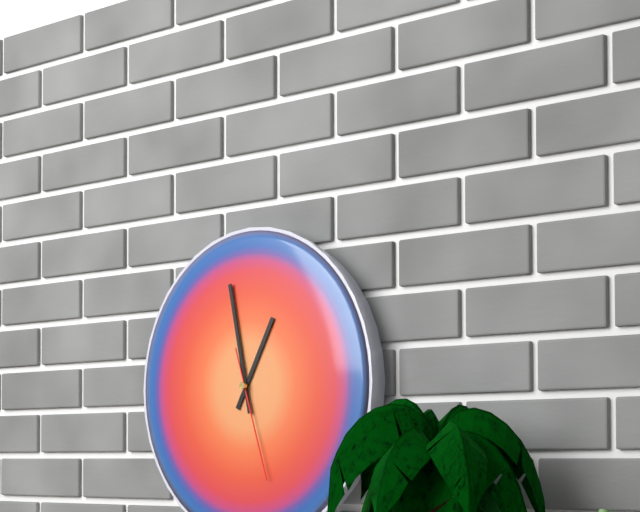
12:58:27
